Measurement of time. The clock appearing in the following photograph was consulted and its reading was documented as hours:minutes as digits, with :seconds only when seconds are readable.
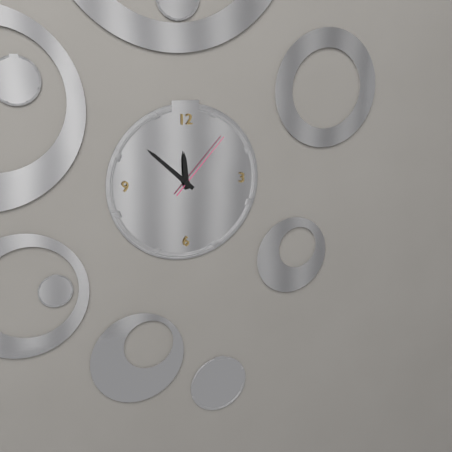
11:52:07
